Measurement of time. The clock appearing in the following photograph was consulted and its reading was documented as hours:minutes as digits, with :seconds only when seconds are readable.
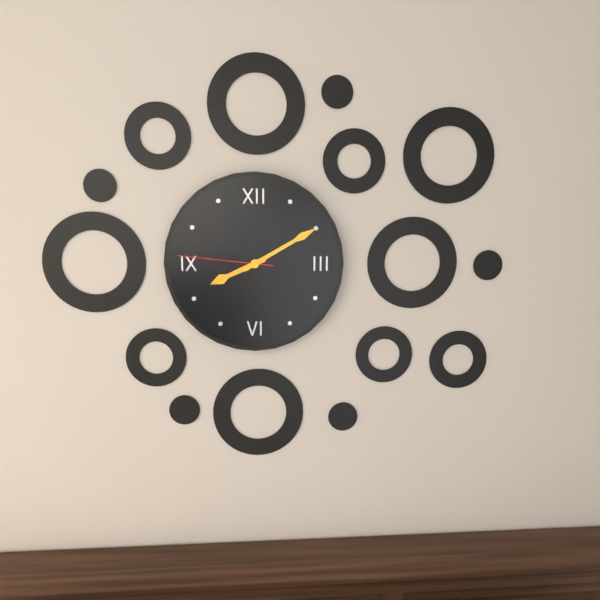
8:10:46
